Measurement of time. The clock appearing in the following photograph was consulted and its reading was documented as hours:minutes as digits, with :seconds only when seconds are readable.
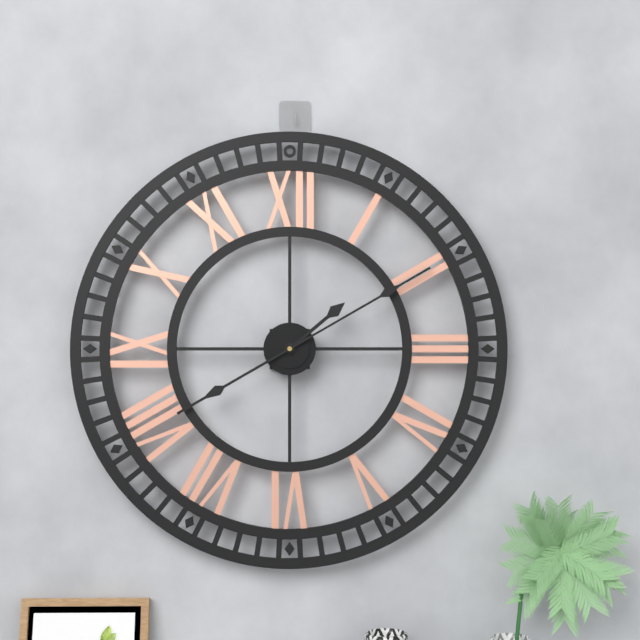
1:40:10
